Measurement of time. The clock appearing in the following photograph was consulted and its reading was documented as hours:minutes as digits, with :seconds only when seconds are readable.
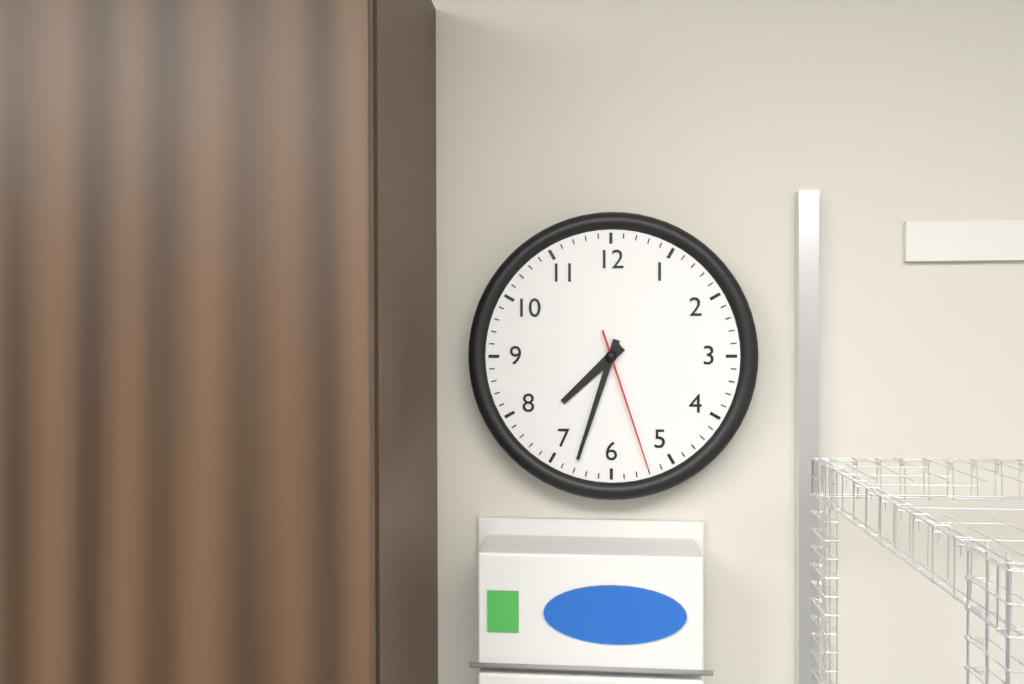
7:33:27
